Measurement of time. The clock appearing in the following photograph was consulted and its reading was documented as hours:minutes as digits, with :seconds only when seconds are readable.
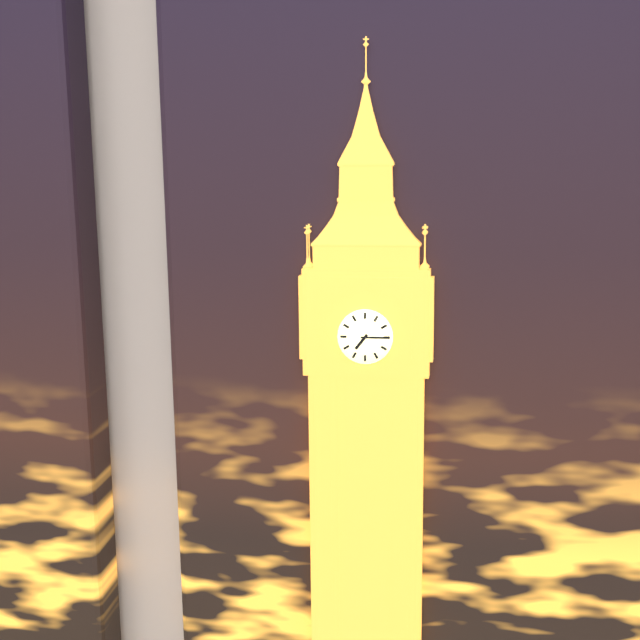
7:15
